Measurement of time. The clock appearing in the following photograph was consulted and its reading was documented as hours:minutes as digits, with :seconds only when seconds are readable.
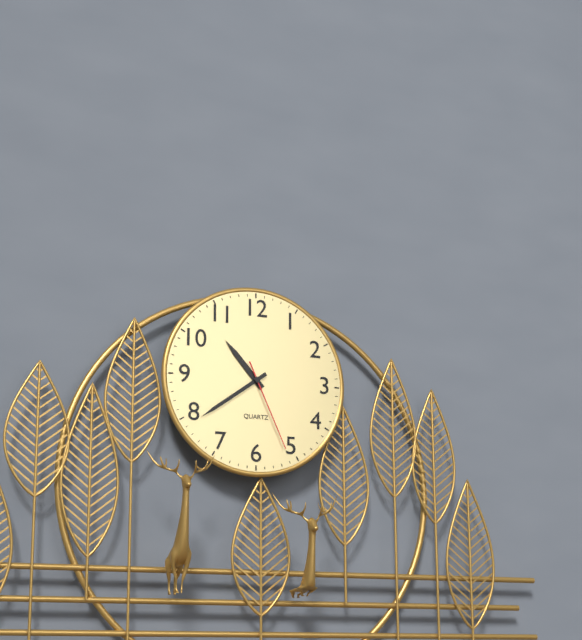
10:39:26
